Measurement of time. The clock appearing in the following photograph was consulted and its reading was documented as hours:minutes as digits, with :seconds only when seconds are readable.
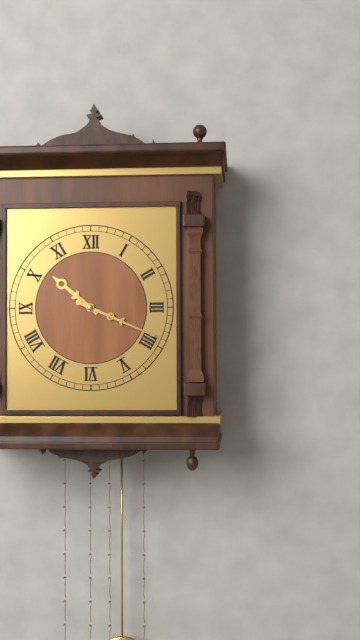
10:19
